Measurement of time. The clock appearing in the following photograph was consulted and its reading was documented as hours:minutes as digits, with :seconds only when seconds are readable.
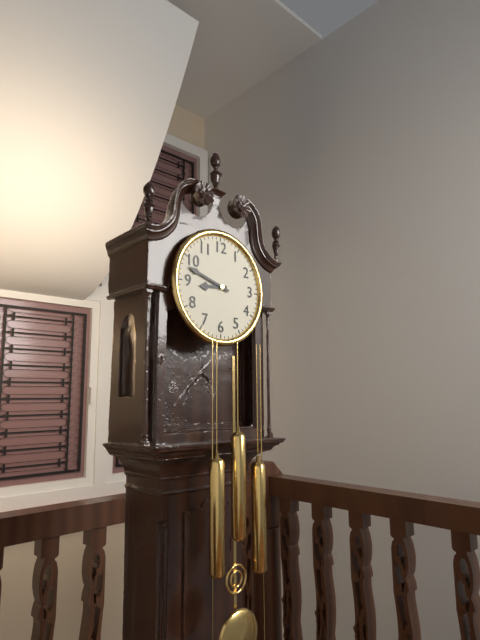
8:48
